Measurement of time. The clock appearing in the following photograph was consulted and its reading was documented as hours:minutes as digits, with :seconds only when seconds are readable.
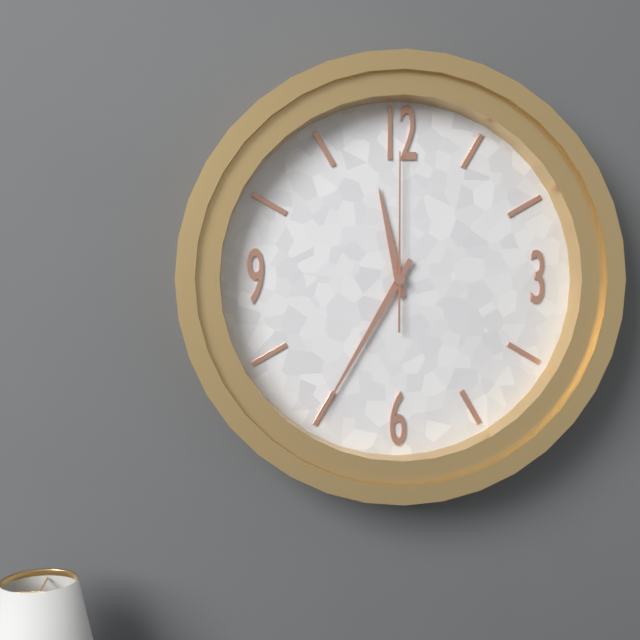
11:35:00
